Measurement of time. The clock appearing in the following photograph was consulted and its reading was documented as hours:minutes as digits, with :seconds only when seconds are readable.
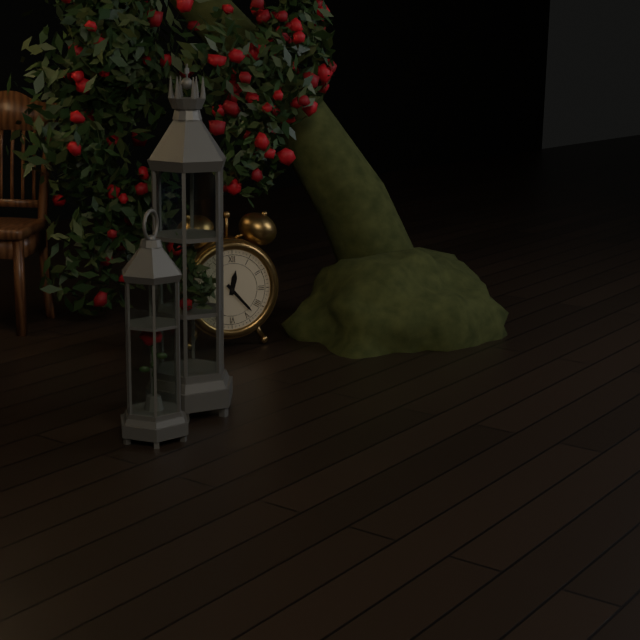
12:23
